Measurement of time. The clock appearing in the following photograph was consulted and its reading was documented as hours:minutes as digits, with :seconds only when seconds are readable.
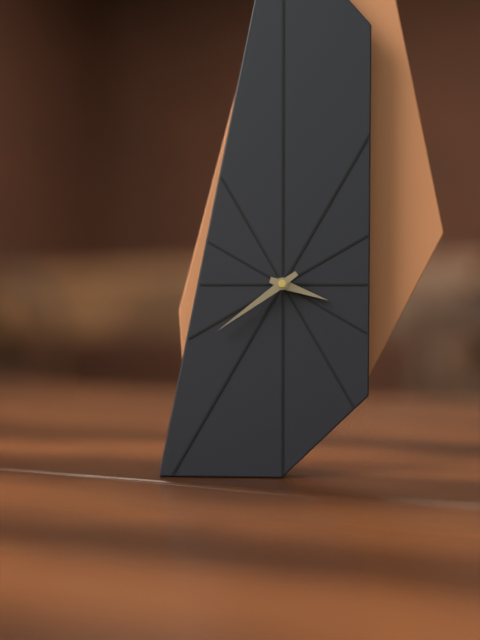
3:39
